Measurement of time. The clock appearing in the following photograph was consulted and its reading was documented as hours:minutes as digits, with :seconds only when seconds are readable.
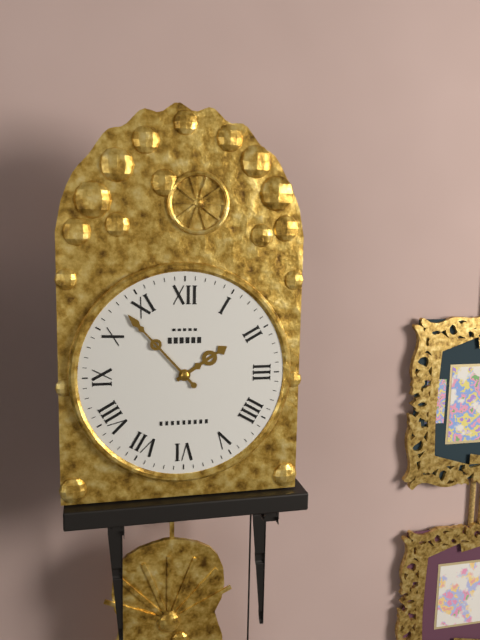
1:53
